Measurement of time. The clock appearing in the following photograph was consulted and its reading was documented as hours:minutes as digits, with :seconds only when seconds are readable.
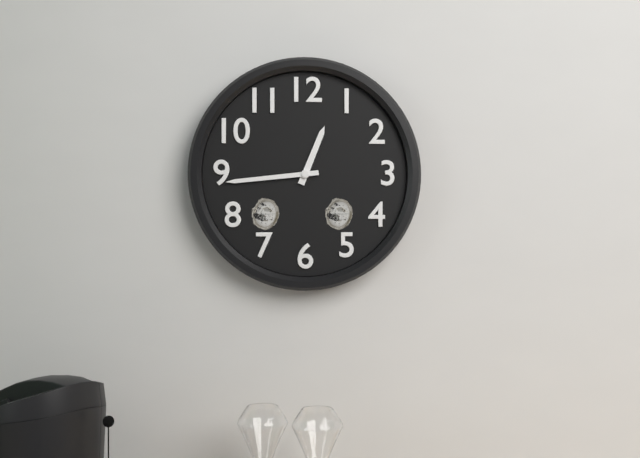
12:44
